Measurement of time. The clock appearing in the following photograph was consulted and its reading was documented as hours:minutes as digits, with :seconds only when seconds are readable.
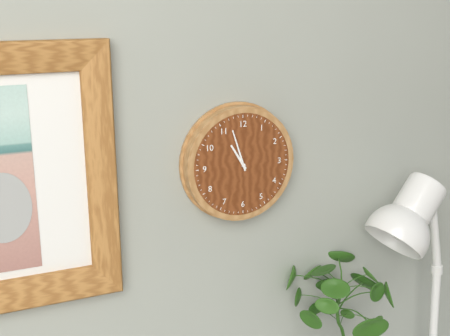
10:57
